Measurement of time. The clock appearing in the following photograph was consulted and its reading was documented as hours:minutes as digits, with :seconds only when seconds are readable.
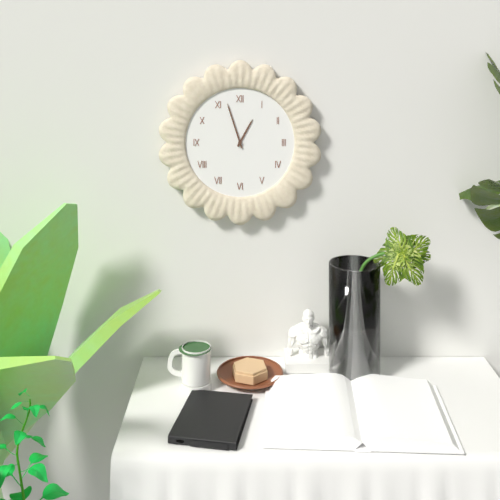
12:57
